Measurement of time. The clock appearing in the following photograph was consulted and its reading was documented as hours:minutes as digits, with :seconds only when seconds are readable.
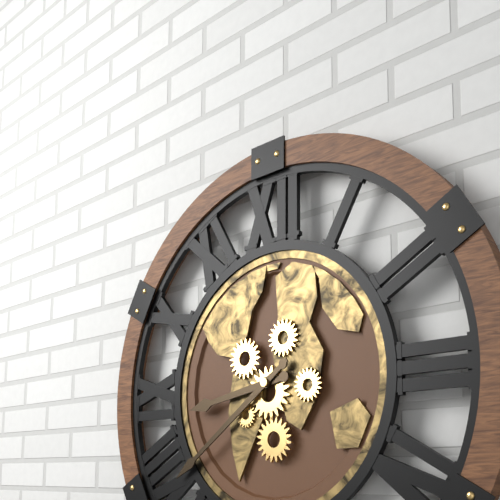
8:39
